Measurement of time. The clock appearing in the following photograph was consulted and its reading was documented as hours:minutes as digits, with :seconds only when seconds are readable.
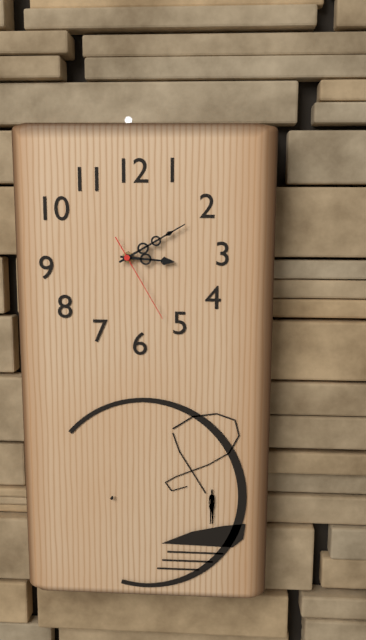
3:10:25
